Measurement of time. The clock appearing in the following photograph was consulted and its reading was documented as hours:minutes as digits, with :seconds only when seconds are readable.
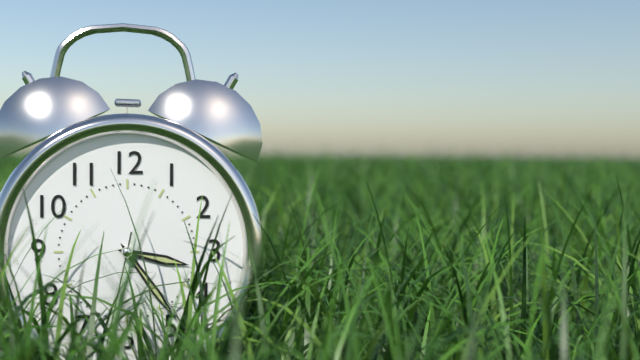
3:24
